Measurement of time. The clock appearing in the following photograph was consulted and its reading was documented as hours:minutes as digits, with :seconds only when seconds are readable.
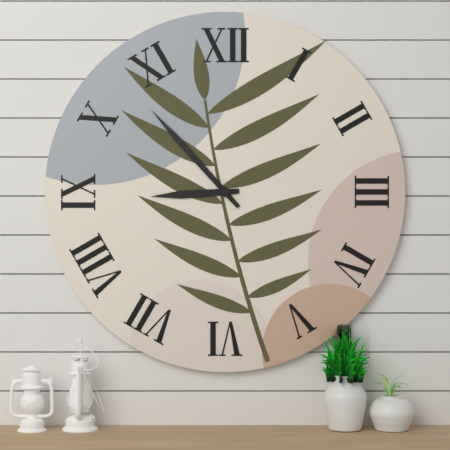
8:53
